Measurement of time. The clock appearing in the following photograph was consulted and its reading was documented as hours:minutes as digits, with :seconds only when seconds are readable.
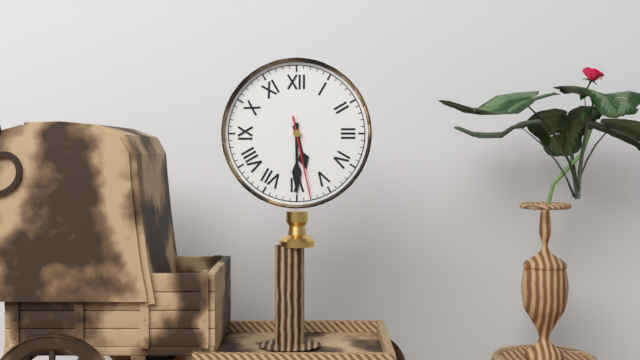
5:30:28
